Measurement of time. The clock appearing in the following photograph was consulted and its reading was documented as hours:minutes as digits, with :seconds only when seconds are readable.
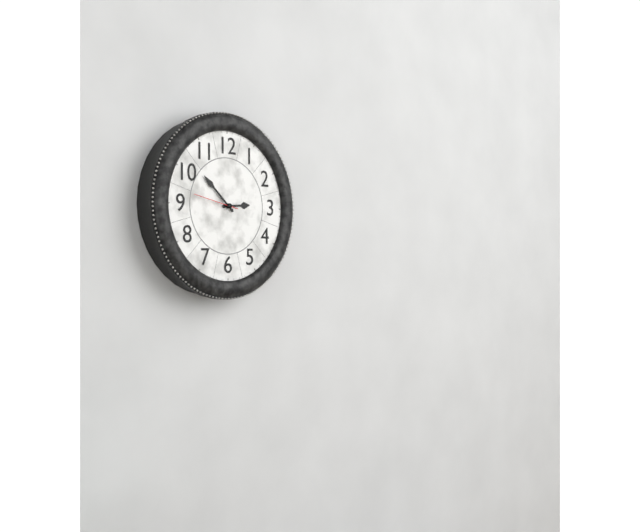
2:52
